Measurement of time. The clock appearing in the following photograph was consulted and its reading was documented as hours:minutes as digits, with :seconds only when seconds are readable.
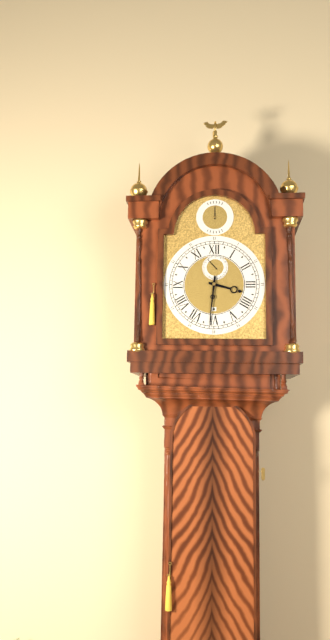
3:31
